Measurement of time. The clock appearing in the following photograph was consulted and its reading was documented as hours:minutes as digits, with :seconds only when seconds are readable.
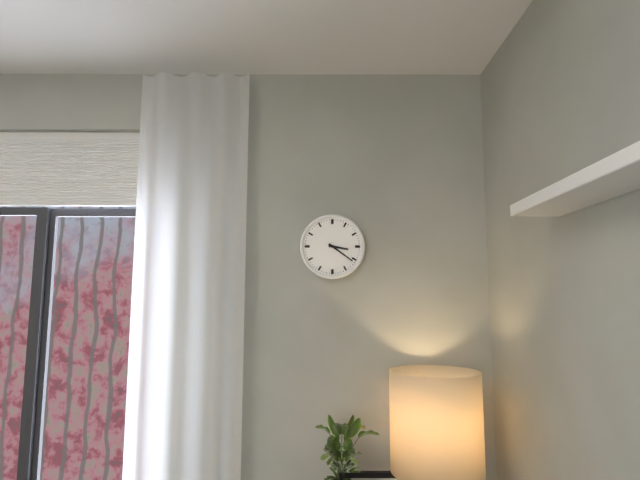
3:21
